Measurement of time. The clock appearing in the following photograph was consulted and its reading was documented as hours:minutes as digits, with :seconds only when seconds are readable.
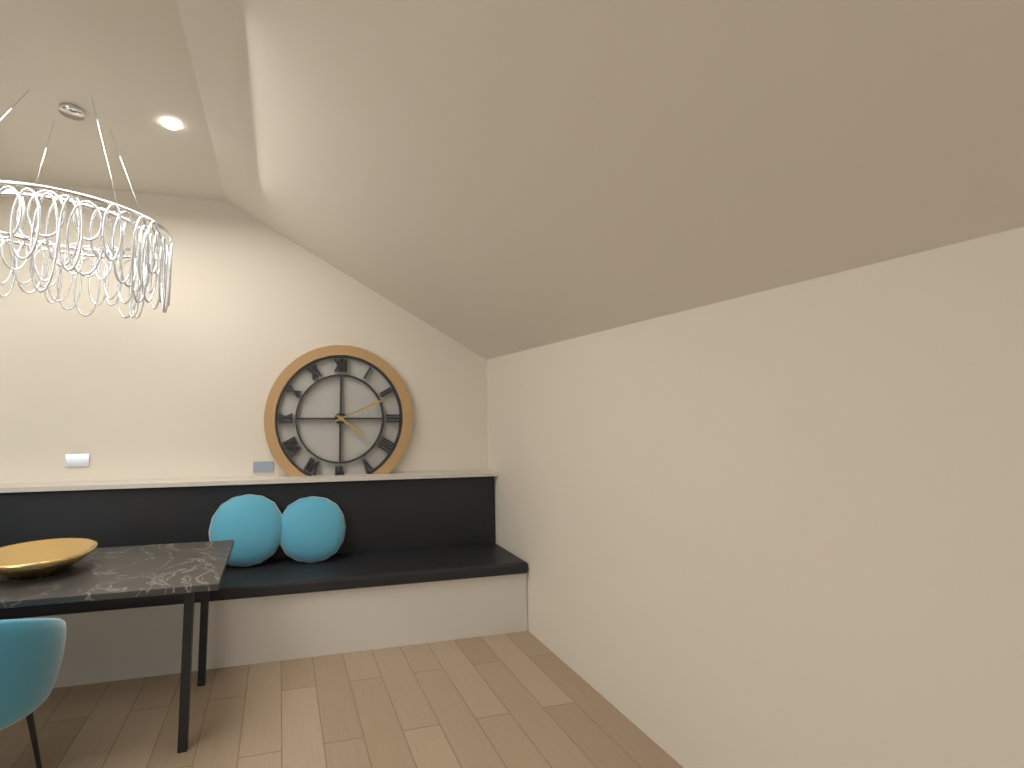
4:11
